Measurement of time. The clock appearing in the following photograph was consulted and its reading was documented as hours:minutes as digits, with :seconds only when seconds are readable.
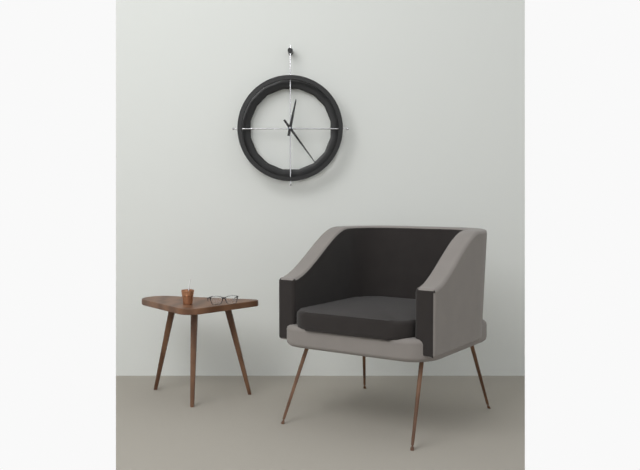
12:24
